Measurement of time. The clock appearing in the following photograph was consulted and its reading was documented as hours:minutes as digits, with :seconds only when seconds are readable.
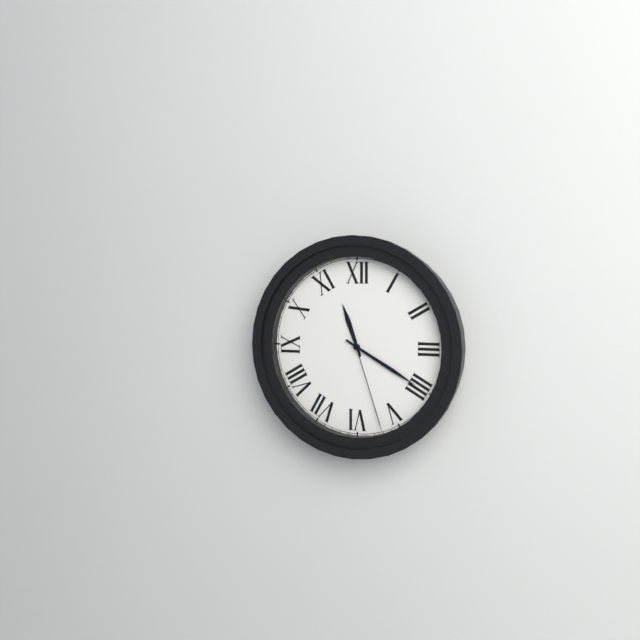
11:20:27
